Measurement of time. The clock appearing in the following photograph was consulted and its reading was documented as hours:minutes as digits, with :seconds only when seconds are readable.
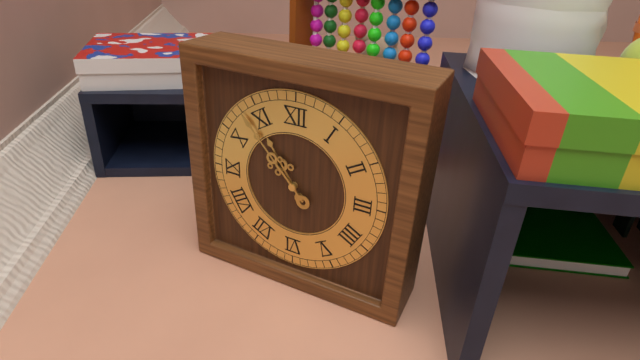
10:53
